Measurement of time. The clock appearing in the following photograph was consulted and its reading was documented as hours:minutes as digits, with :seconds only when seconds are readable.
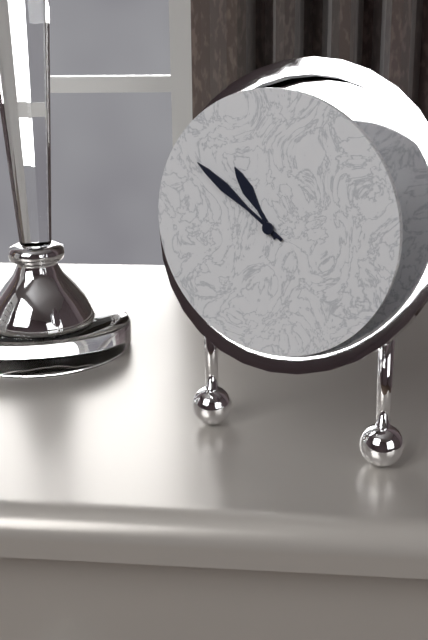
10:51
